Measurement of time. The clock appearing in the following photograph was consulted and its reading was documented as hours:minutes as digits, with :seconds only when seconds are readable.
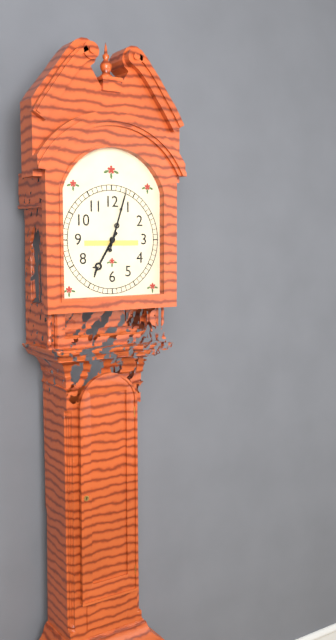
7:03
